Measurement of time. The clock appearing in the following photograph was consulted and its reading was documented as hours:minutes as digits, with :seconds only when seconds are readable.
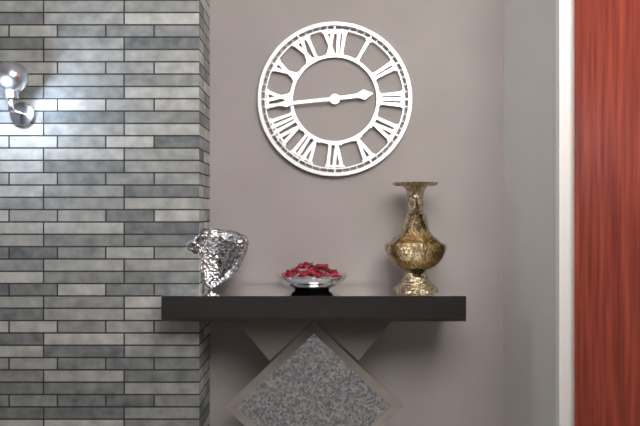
2:44
